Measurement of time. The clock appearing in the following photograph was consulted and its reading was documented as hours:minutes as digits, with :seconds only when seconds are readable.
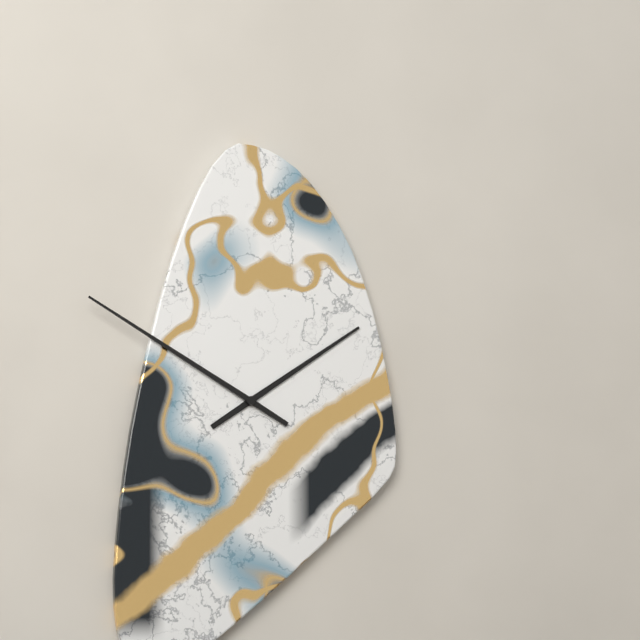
1:50
